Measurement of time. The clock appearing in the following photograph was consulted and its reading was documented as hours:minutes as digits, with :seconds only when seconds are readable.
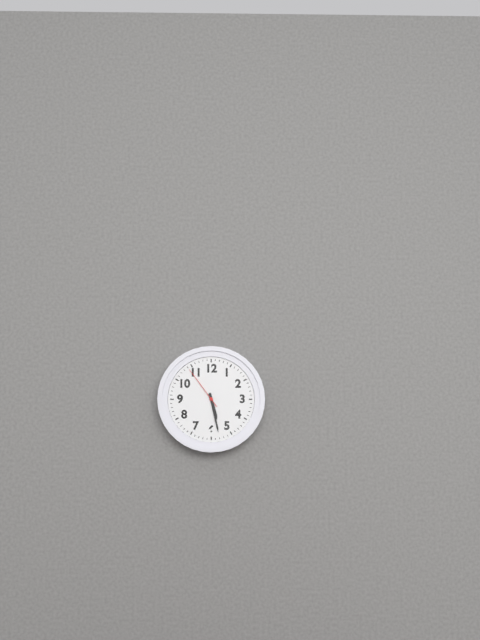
5:28
